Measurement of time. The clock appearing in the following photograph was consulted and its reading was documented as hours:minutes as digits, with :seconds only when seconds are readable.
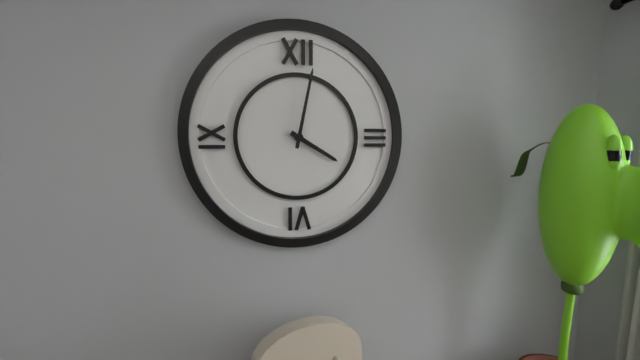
4:02
